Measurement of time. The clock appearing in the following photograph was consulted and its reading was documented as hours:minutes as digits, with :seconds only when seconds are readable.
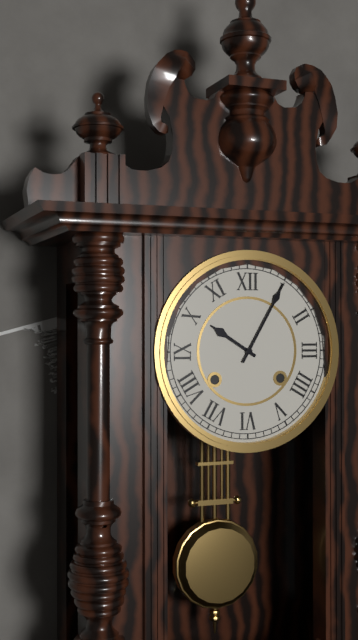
10:05
